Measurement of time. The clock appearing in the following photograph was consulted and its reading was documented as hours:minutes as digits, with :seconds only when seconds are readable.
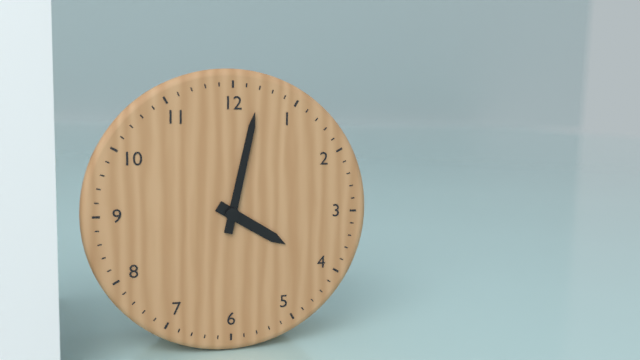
4:02
